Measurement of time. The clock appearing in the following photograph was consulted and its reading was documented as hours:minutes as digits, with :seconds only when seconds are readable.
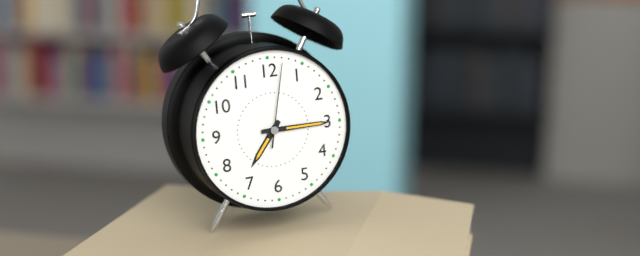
7:15:02
